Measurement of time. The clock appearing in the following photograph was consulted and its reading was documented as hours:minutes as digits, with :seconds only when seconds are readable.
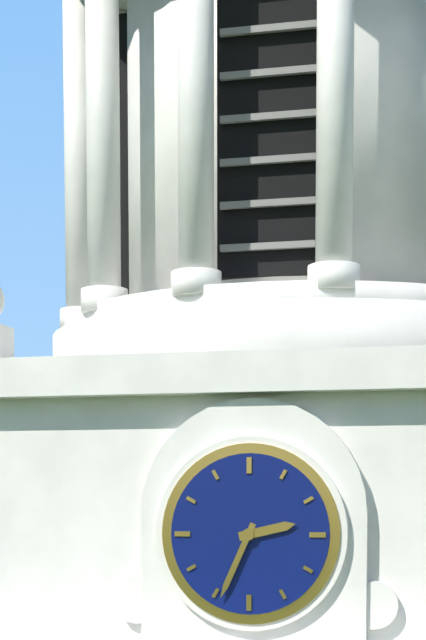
2:34
